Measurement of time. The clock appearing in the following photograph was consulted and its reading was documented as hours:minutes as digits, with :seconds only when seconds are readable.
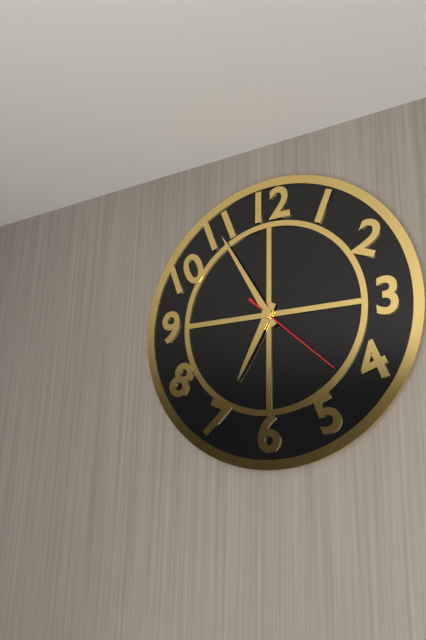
6:55:22
